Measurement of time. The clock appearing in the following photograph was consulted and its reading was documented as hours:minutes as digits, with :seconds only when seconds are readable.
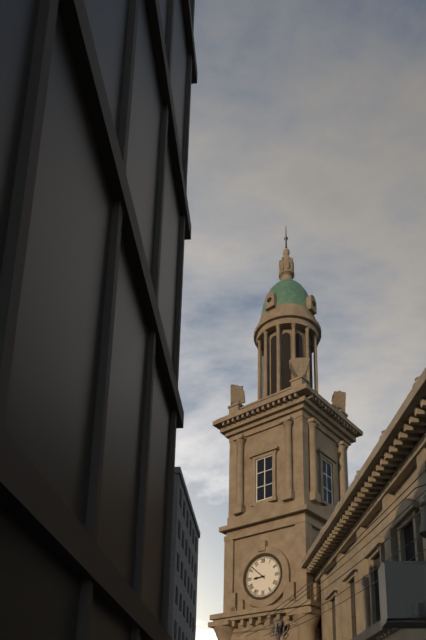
8:52
